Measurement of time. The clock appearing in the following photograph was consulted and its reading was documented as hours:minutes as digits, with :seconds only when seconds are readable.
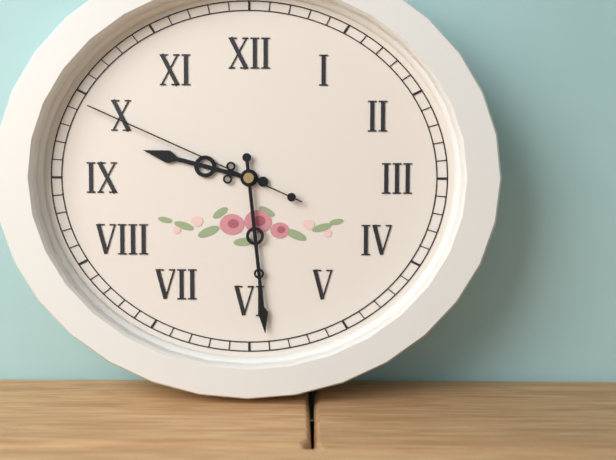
9:29:49
